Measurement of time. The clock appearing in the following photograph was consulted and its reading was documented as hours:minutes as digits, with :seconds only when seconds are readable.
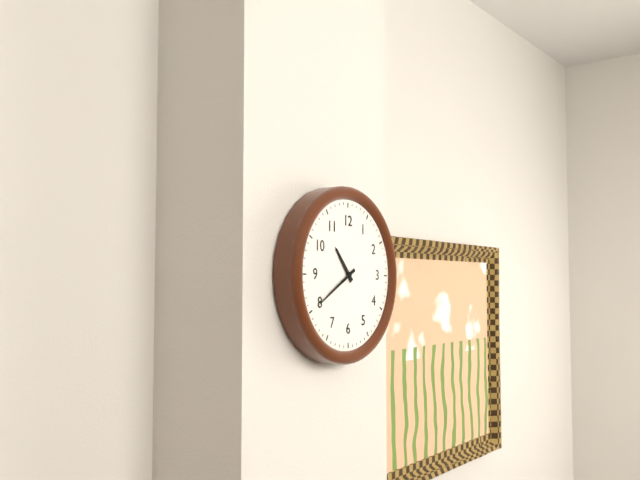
10:40
